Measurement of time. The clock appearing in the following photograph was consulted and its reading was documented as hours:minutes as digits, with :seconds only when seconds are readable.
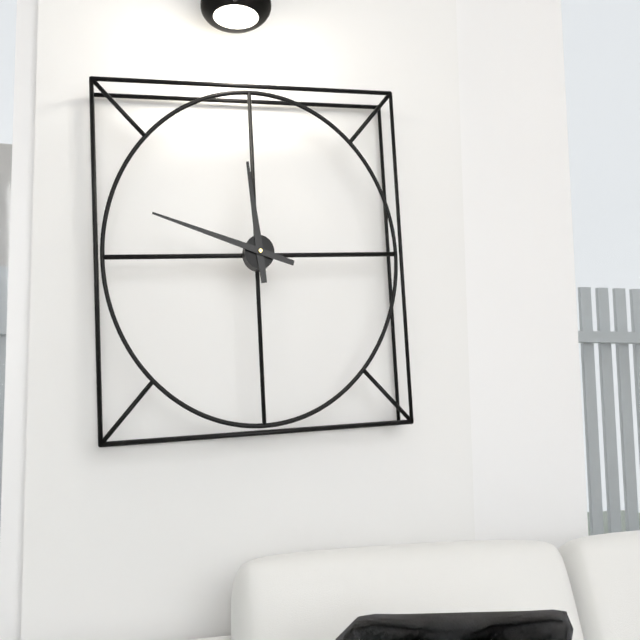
11:48
